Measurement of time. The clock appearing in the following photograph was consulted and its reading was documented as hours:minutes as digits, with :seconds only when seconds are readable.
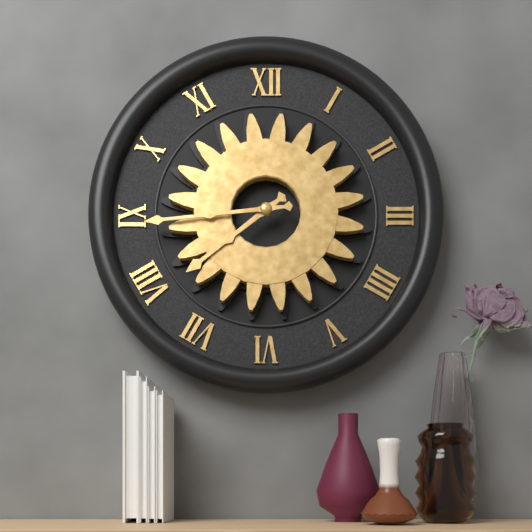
7:44
